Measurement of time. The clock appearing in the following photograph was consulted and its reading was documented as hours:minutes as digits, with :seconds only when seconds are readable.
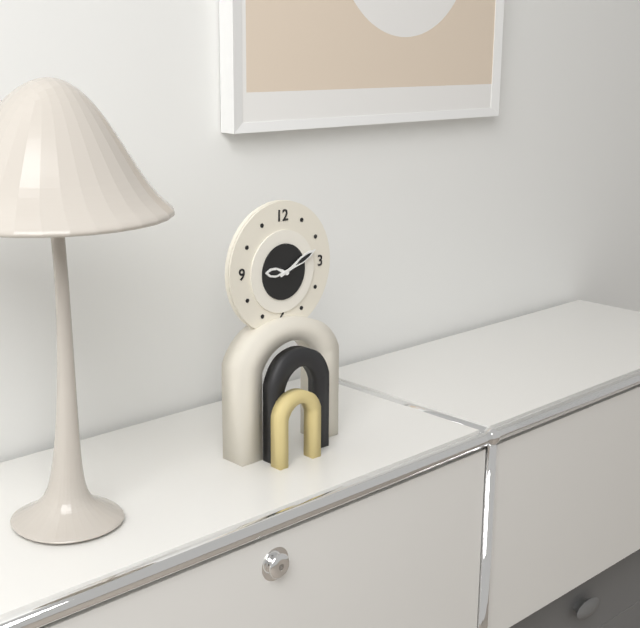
9:11
